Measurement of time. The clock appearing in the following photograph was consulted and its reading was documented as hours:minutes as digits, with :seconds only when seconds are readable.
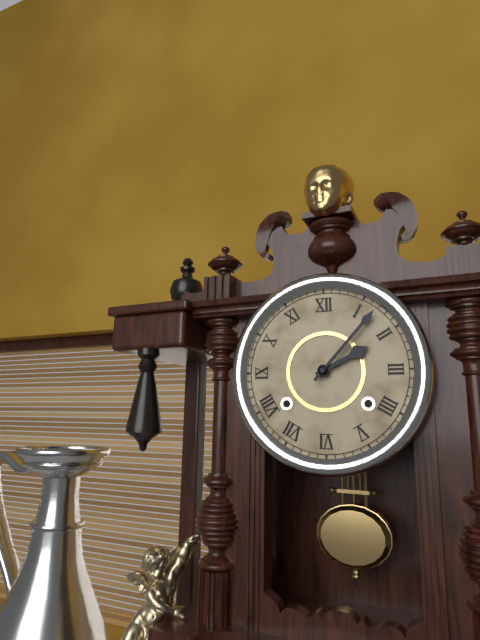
2:07
